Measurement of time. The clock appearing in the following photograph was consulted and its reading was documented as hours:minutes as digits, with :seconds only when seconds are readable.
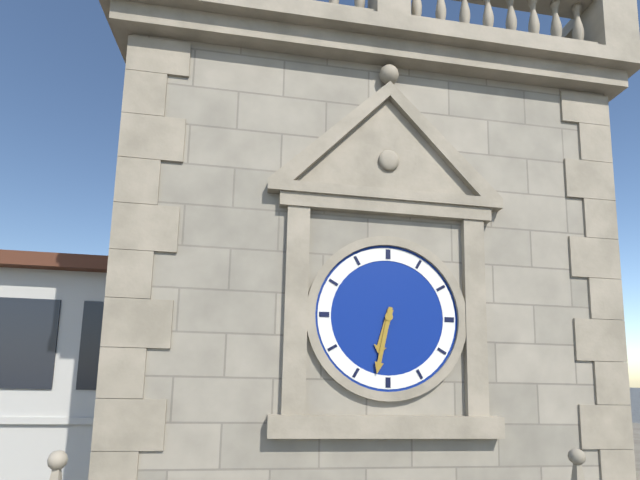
6:32
